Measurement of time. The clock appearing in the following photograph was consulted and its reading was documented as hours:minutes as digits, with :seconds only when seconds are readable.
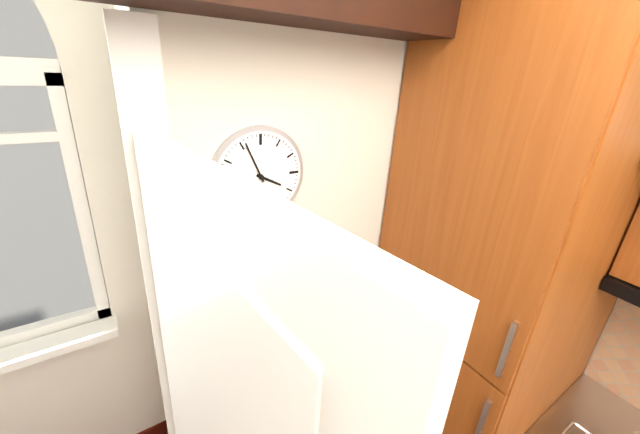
3:56
